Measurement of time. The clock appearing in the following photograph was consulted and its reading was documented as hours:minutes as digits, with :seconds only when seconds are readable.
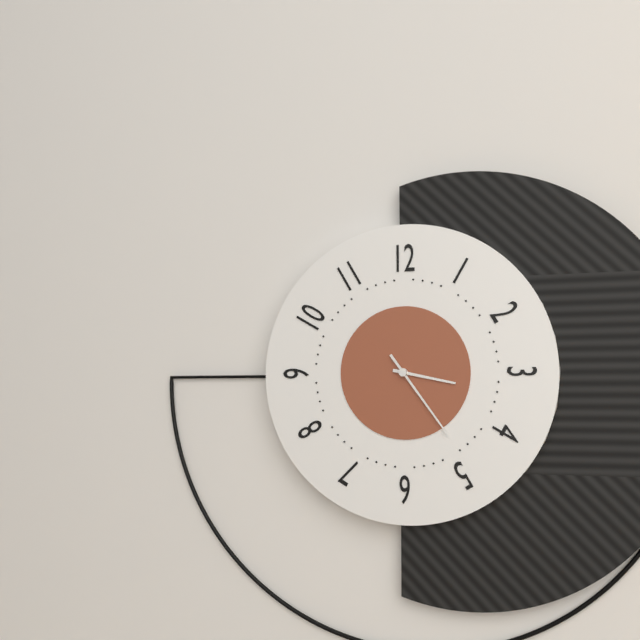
3:24
